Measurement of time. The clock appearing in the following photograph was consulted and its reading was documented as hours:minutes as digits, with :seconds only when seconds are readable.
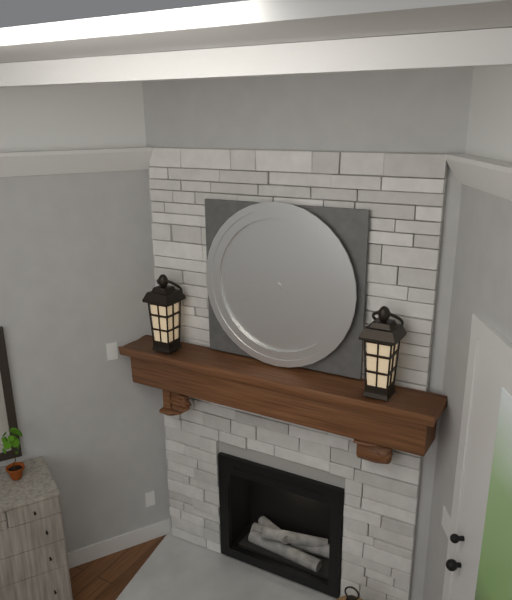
8:41
